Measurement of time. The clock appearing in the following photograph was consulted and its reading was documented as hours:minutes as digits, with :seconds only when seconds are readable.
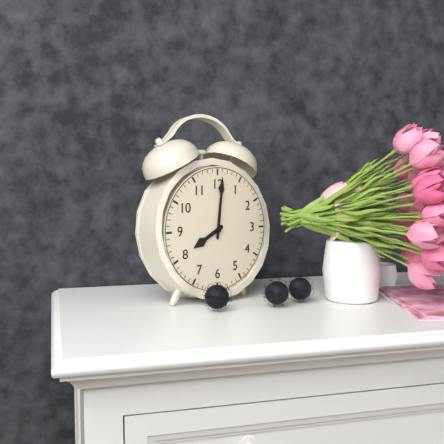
8:01
